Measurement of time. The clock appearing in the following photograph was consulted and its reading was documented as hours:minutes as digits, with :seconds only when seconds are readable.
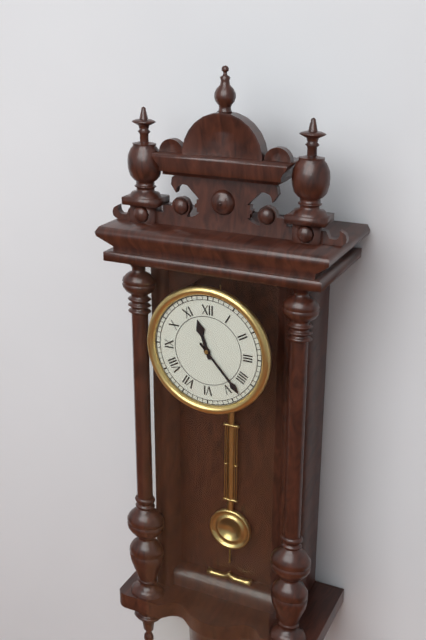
11:23
